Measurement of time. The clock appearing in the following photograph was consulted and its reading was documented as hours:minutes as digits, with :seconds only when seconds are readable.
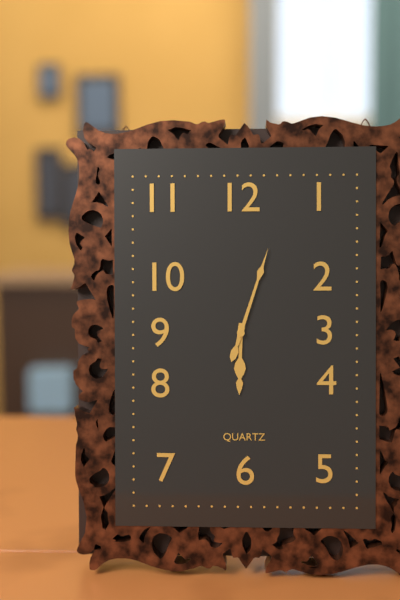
6:03
